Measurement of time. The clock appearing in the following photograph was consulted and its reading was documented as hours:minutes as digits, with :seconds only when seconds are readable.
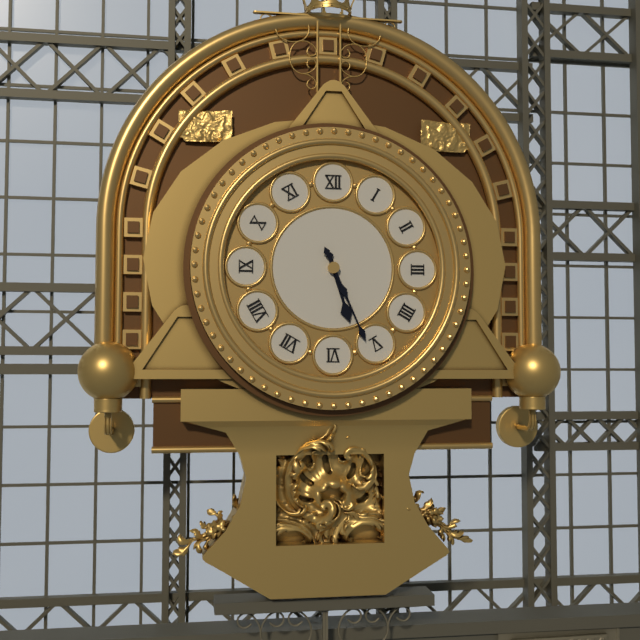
5:26
